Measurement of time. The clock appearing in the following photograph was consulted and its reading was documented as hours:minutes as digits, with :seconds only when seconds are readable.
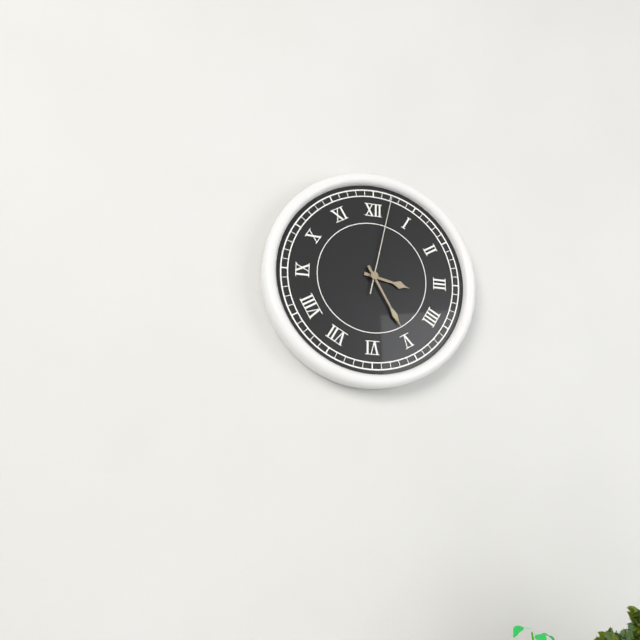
3:25:02
